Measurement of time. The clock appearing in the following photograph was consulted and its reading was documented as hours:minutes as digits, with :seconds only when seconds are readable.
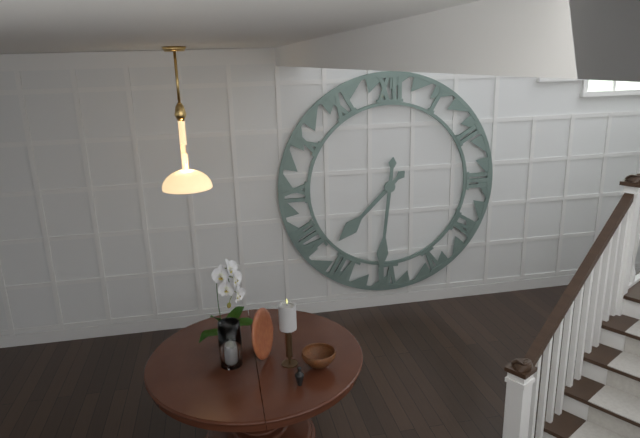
7:31
